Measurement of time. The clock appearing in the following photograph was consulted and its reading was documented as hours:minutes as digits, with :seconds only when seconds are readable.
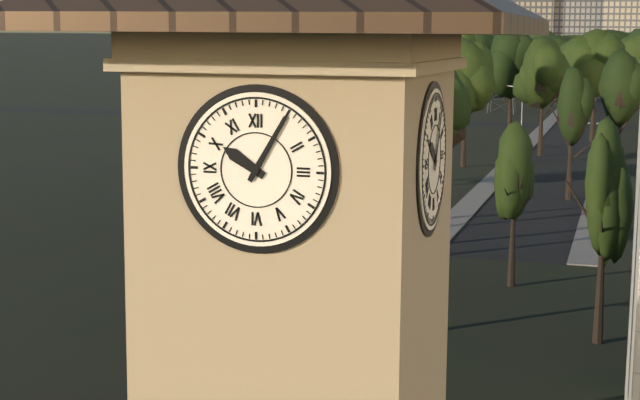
10:05
